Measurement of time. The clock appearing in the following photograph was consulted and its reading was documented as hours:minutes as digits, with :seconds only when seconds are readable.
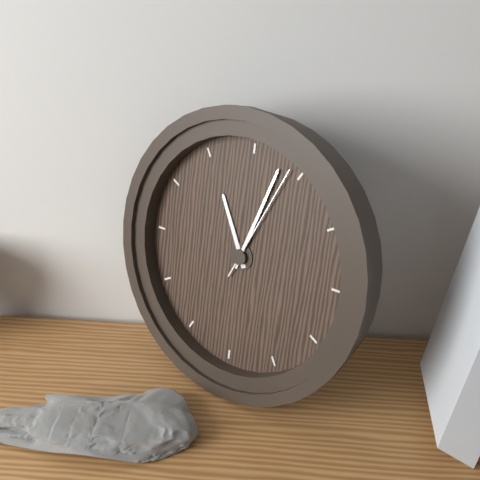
11:03:04
